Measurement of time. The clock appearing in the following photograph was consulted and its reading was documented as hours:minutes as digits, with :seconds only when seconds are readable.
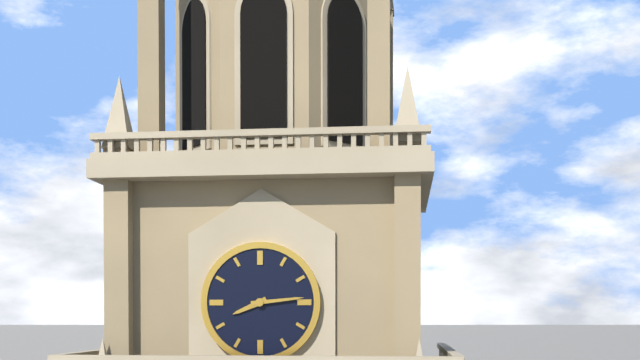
8:14
